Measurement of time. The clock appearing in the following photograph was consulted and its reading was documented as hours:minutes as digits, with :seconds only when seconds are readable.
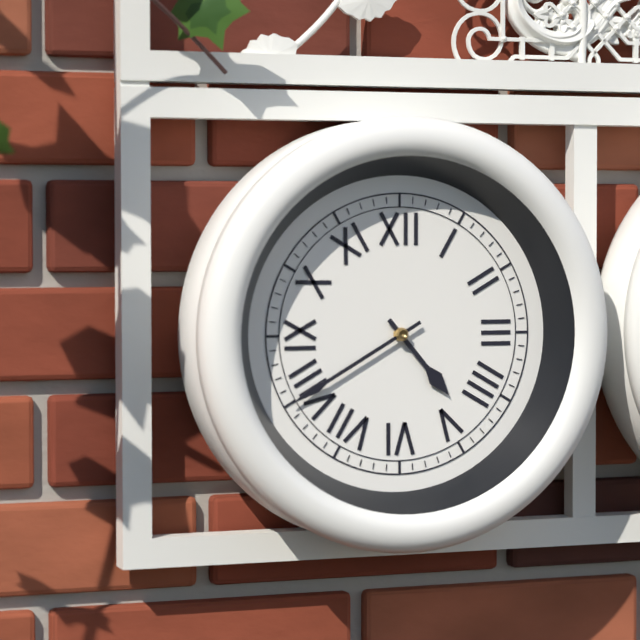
4:40
